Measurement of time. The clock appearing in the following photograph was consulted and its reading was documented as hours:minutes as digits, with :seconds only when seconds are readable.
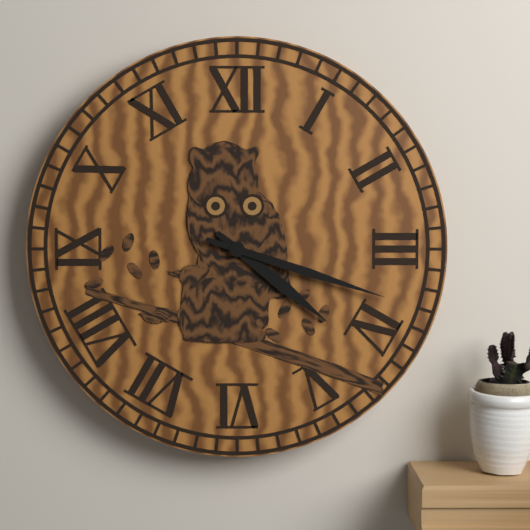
4:18
